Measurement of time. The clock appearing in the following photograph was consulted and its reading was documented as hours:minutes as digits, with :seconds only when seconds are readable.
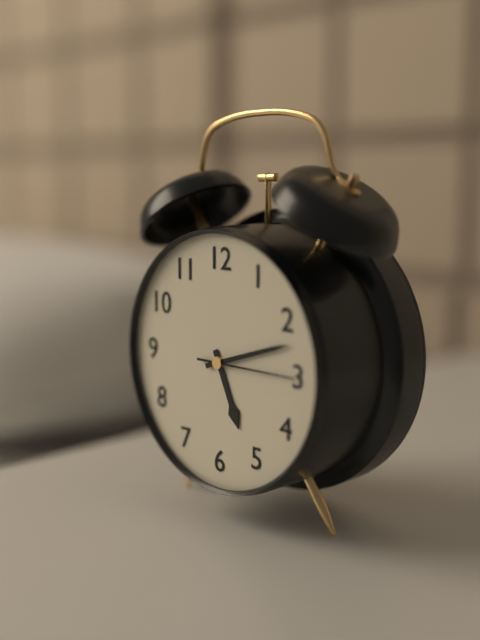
5:12:15
